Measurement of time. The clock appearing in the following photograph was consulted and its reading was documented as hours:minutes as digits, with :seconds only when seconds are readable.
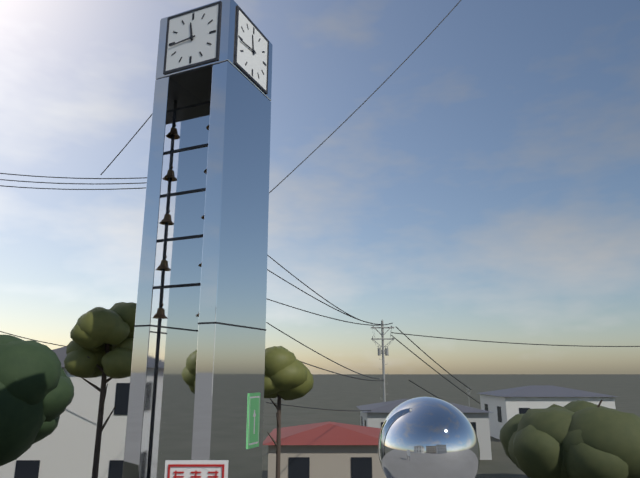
11:44
